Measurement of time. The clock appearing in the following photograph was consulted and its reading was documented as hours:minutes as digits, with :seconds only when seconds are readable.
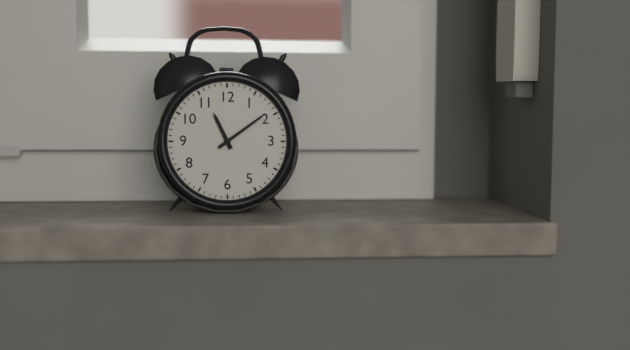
11:09
